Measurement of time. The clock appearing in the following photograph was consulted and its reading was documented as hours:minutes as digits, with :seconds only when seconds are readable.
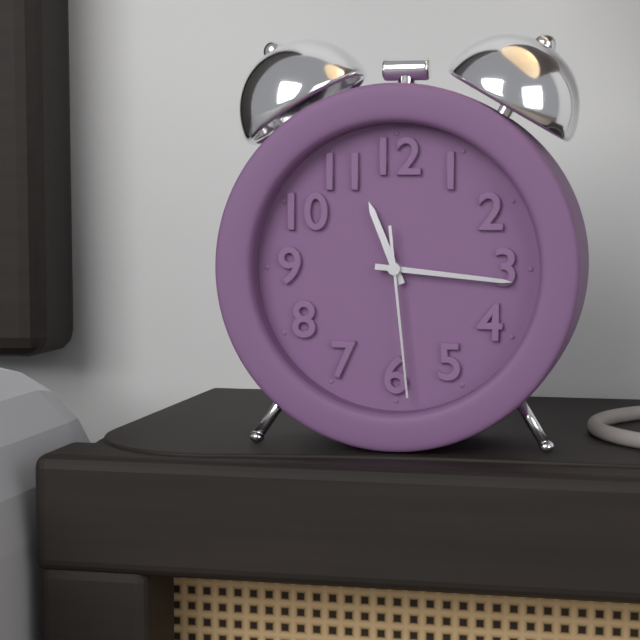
11:16:29
